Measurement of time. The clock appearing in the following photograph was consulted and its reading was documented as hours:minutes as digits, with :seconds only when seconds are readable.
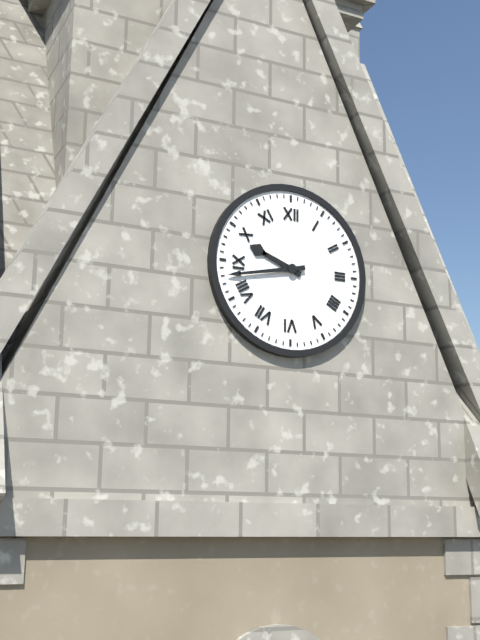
9:43
